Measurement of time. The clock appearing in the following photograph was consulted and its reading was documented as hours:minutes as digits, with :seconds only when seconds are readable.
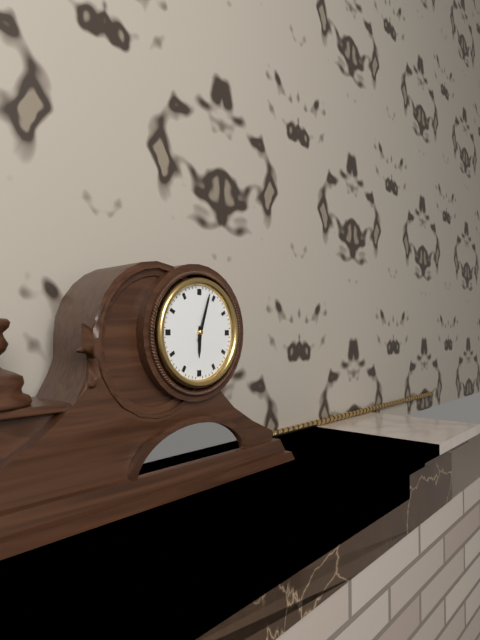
6:03
